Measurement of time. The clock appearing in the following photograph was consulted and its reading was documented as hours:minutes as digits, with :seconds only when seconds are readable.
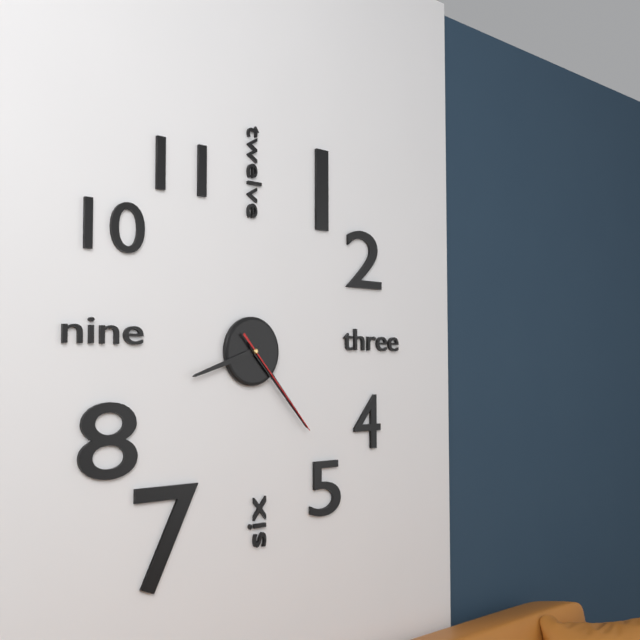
8:23:23
